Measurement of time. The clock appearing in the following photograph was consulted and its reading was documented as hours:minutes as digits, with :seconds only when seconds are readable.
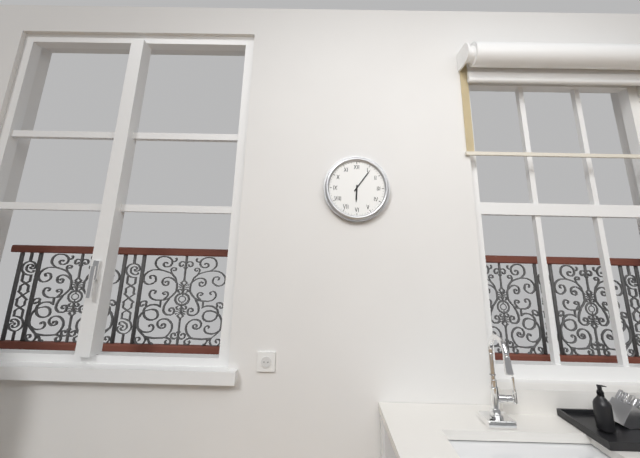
6:06
